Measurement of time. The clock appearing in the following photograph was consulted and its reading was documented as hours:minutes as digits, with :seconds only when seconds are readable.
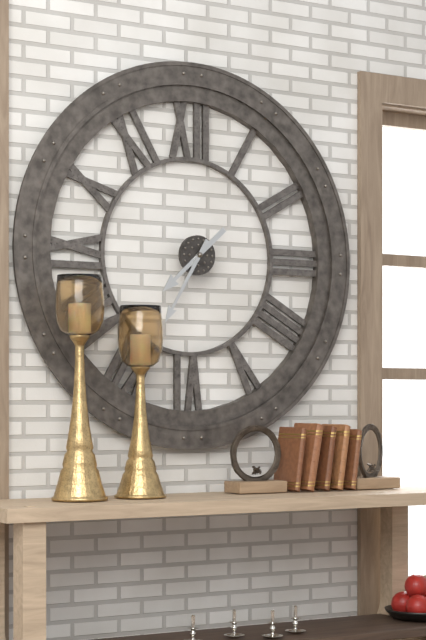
7:35
